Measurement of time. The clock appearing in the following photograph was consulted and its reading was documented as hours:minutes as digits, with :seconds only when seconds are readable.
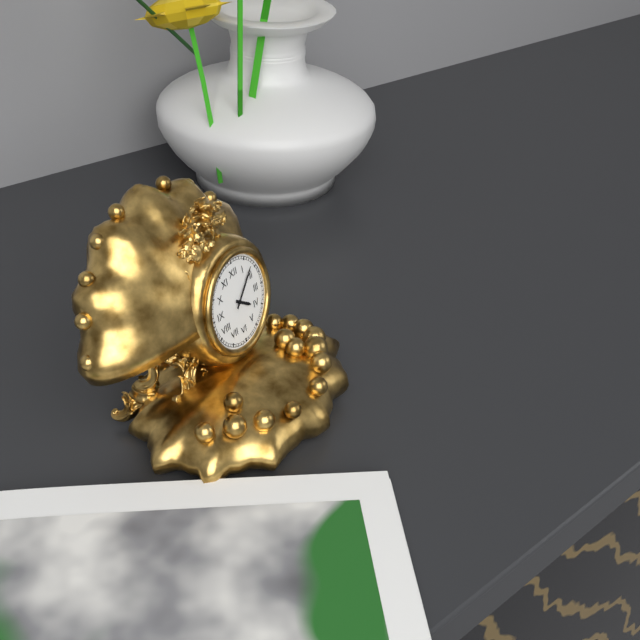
4:08
